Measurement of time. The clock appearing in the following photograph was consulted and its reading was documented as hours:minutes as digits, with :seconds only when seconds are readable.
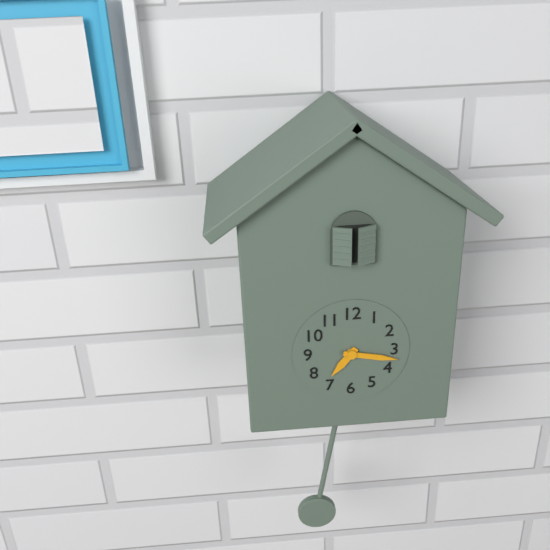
7:17
